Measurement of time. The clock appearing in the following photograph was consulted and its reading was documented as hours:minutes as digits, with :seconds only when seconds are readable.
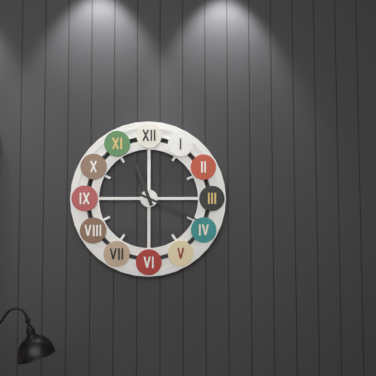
11:19
